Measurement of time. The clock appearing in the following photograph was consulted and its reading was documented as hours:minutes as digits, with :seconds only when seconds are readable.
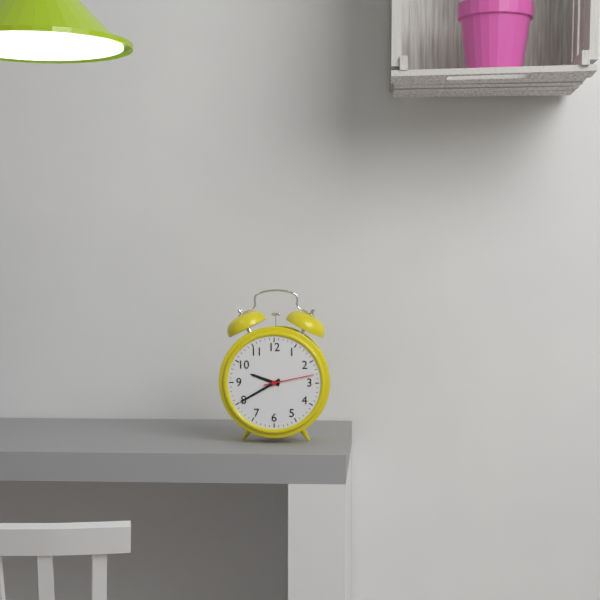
9:40:13
